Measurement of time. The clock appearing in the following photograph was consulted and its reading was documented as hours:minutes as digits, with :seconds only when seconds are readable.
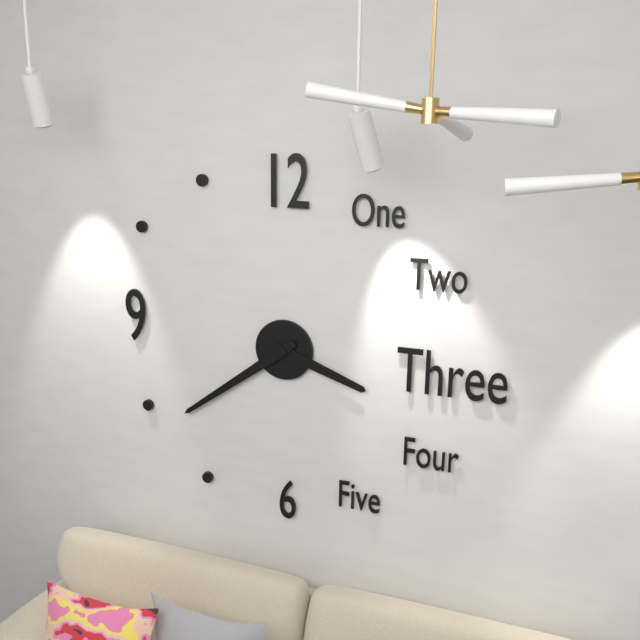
3:39
